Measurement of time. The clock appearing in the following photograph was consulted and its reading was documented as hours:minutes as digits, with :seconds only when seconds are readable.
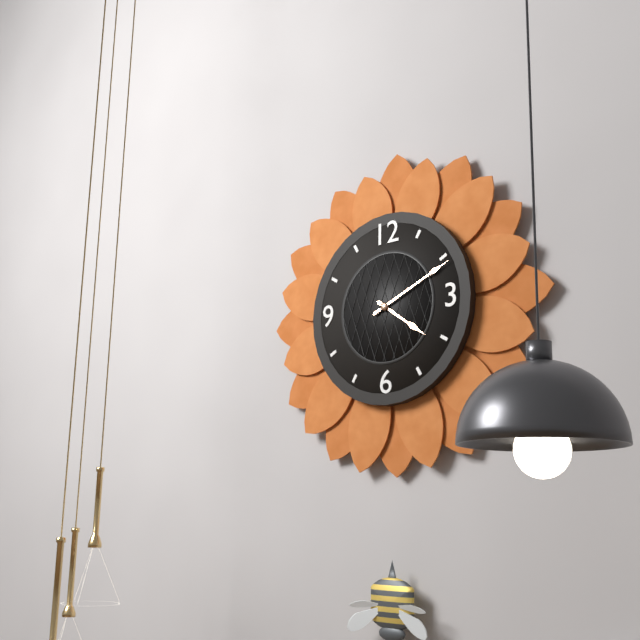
4:11
